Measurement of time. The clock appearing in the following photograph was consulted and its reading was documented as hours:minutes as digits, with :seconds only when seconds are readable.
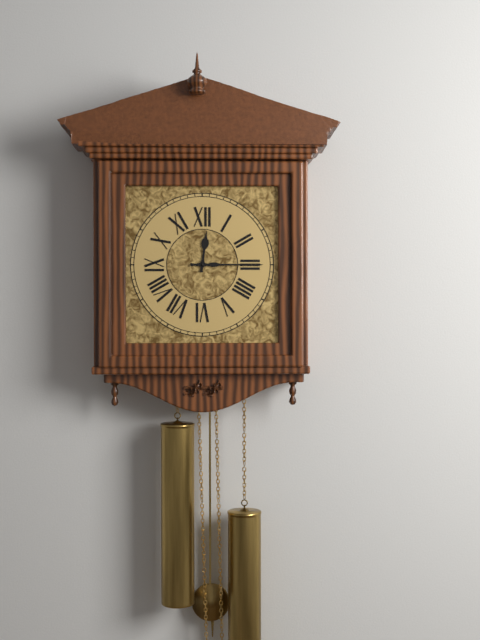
12:15
